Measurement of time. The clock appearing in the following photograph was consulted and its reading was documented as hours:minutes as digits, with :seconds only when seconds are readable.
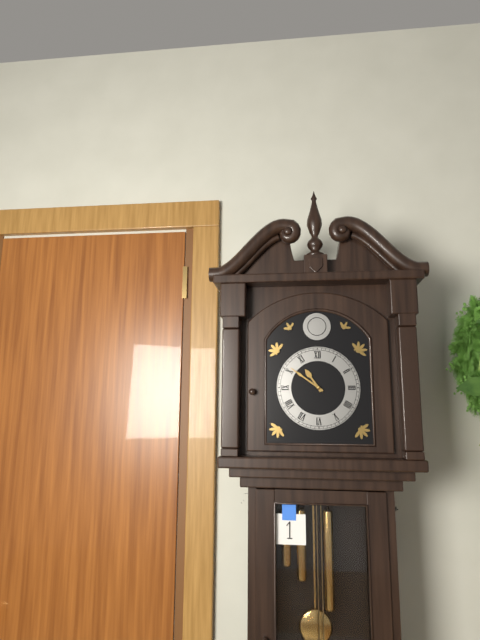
10:51
